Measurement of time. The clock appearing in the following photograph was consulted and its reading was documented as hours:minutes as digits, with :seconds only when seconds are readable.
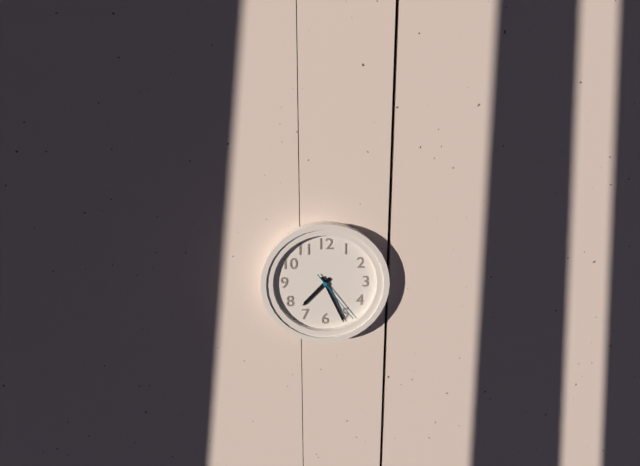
7:26:24
